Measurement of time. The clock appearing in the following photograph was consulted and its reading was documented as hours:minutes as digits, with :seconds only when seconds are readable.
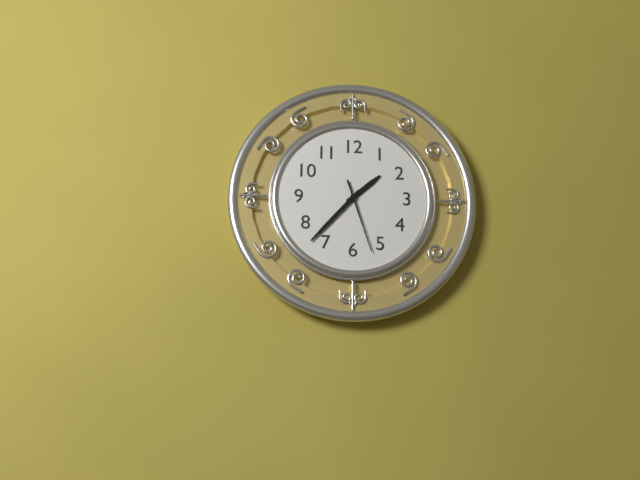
1:37:27
